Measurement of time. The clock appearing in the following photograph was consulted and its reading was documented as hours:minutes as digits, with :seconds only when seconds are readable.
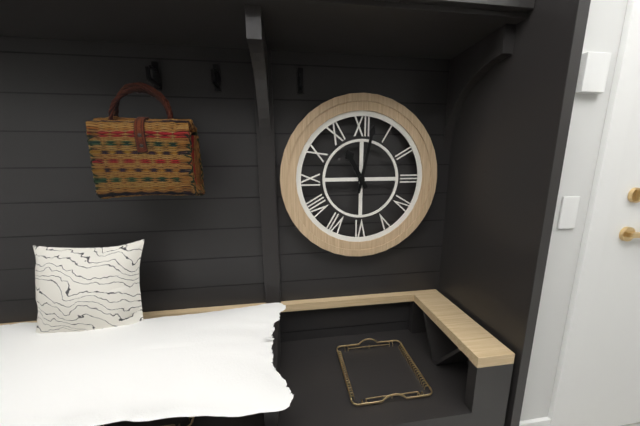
11:02
